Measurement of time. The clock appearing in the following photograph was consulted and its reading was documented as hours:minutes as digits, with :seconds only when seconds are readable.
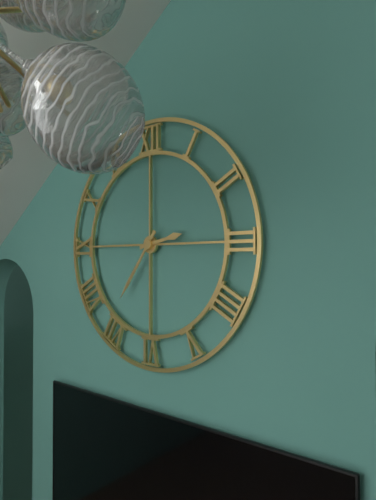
2:36
